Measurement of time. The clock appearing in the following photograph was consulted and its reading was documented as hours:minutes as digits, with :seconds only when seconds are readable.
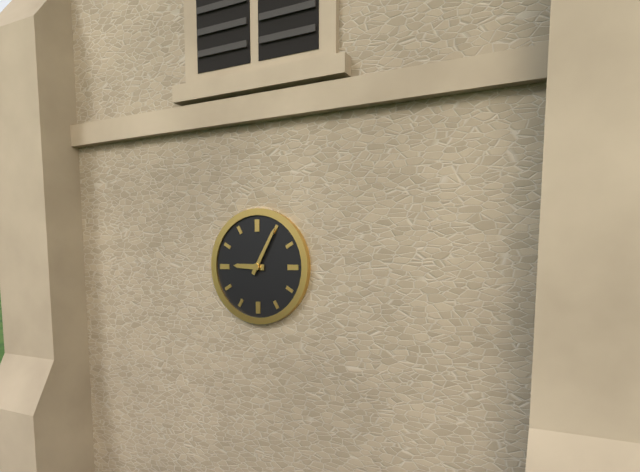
9:05
